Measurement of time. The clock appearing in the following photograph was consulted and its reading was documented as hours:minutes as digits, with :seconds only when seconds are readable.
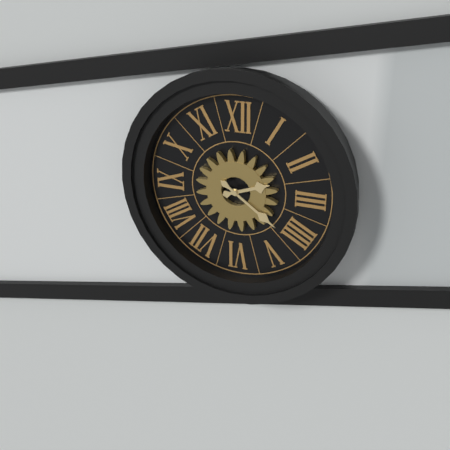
2:21
